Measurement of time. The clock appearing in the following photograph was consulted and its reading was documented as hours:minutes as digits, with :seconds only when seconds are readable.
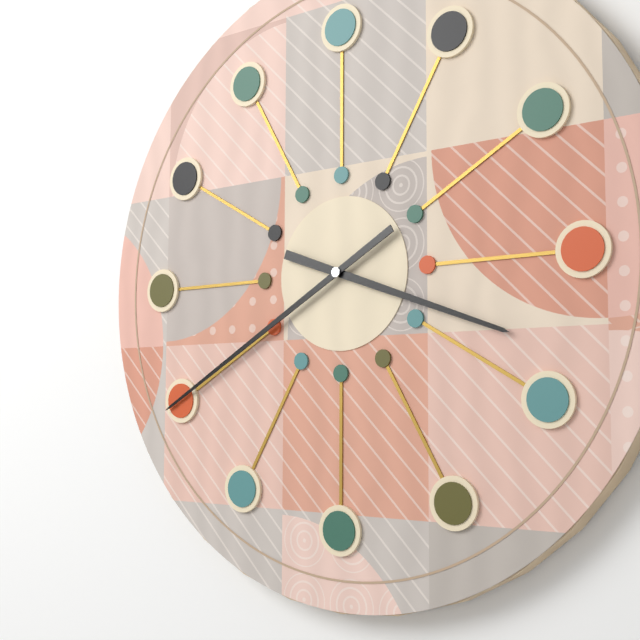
3:40
